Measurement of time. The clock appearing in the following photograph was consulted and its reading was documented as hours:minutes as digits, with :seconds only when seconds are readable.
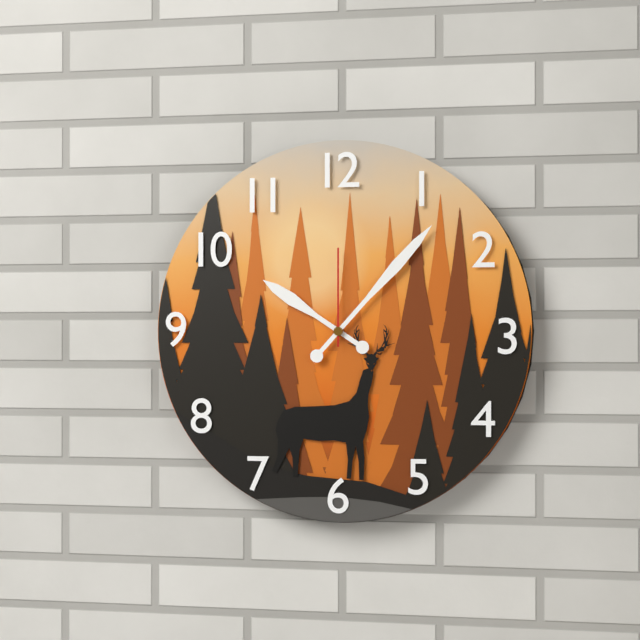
10:07:00
